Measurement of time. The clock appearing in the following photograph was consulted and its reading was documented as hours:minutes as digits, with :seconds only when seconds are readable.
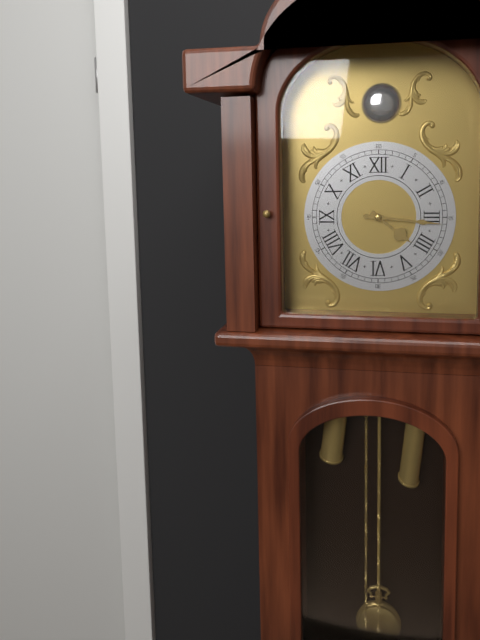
4:16
